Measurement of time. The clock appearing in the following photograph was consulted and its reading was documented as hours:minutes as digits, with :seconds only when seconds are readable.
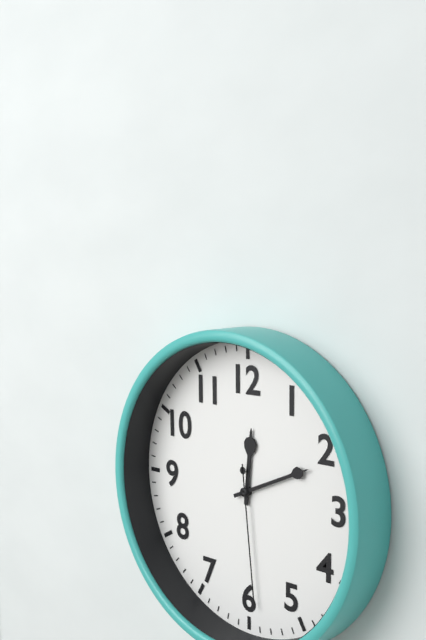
12:11:29
